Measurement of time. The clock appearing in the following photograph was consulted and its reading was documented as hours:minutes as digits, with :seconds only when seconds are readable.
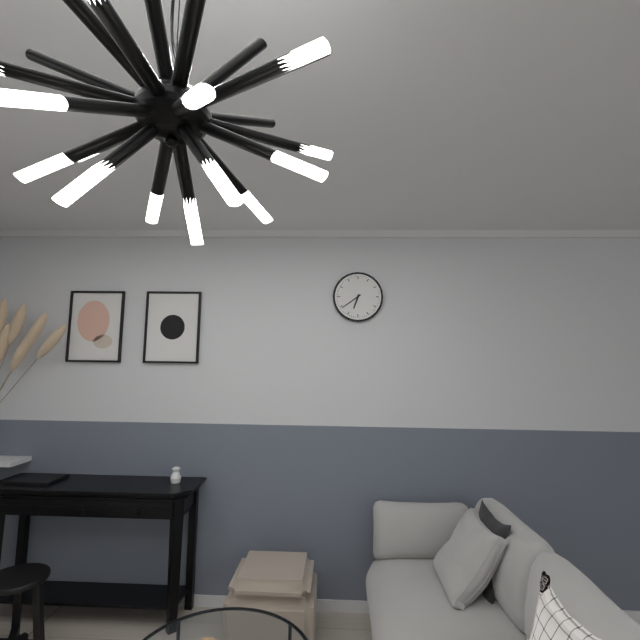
6:39
